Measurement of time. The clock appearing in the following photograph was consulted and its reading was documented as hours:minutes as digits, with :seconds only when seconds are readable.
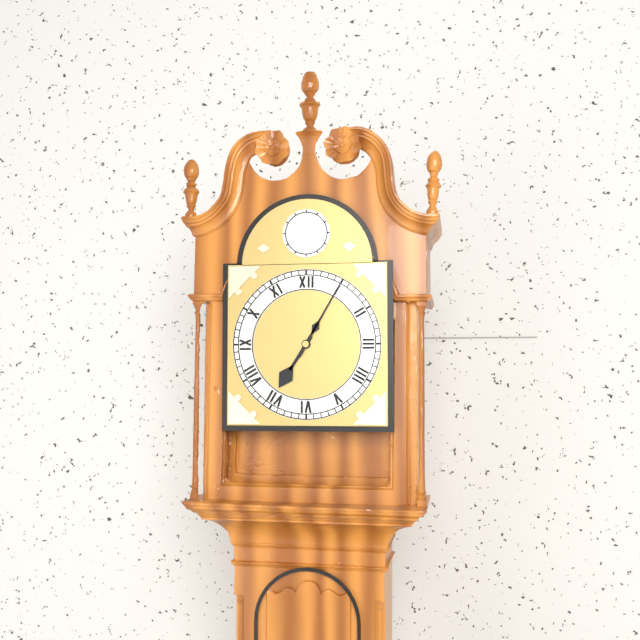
7:05
